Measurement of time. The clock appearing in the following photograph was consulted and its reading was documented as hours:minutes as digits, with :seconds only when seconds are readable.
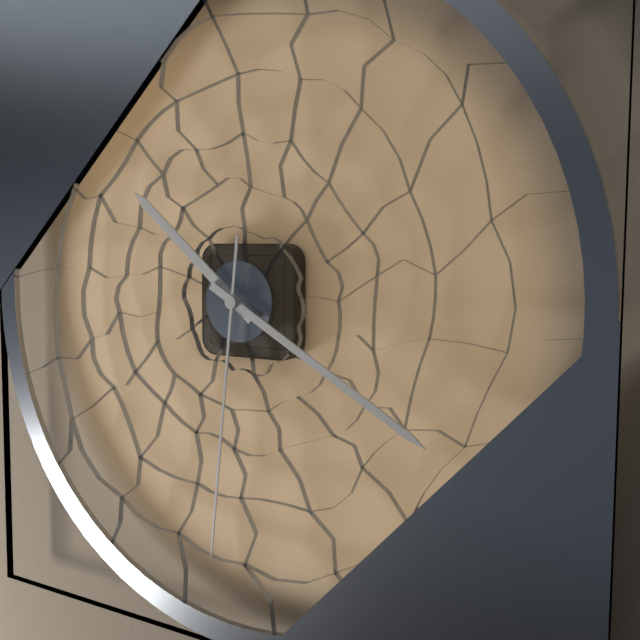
10:20:31
